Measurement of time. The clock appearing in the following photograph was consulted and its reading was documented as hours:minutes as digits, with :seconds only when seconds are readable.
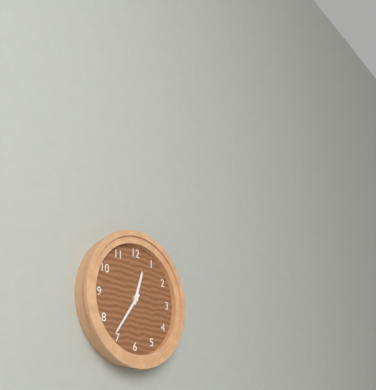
12:36
